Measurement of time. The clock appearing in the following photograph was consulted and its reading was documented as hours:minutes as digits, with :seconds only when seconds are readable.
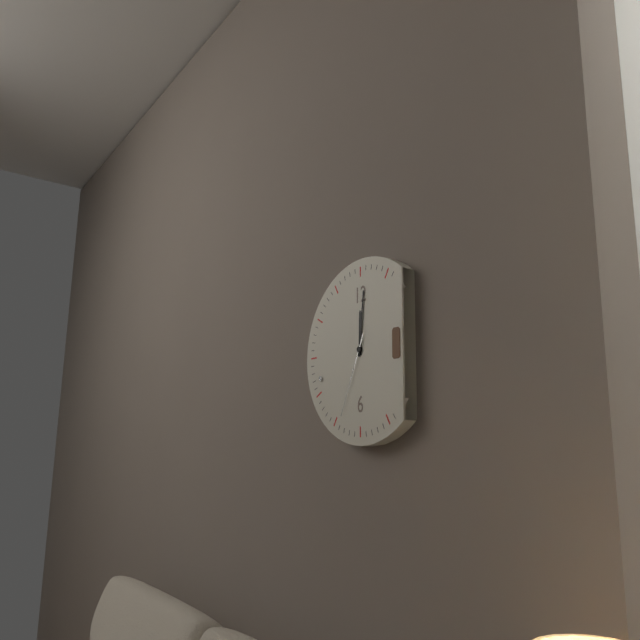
12:01:34
